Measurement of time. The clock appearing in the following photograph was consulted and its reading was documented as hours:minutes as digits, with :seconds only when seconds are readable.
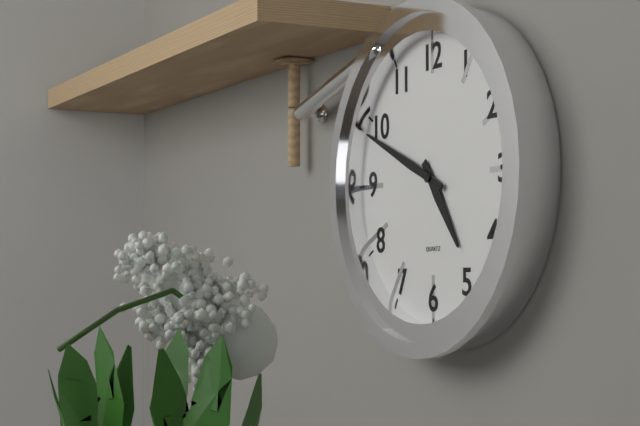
4:49
